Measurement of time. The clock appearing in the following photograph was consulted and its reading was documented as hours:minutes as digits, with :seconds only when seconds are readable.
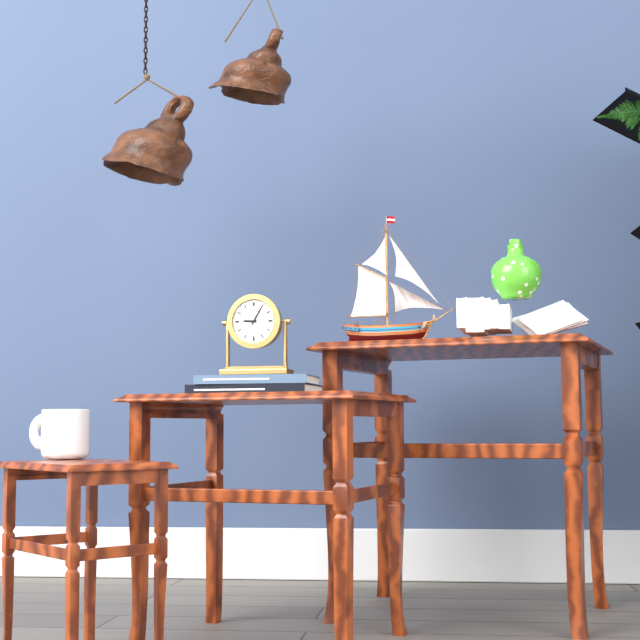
9:05
